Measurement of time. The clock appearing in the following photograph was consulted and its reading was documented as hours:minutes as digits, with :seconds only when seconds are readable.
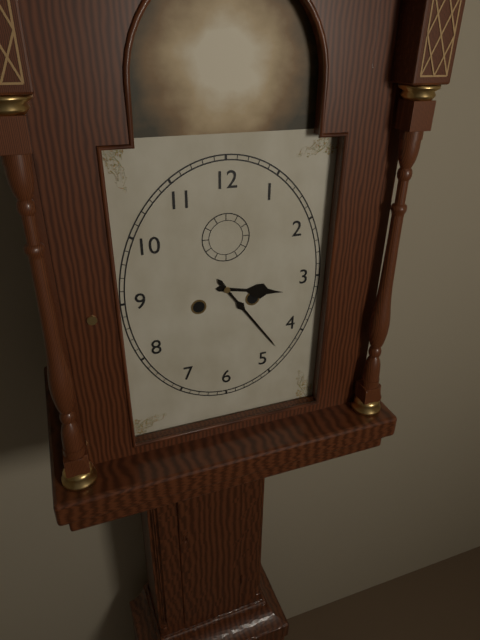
3:24
